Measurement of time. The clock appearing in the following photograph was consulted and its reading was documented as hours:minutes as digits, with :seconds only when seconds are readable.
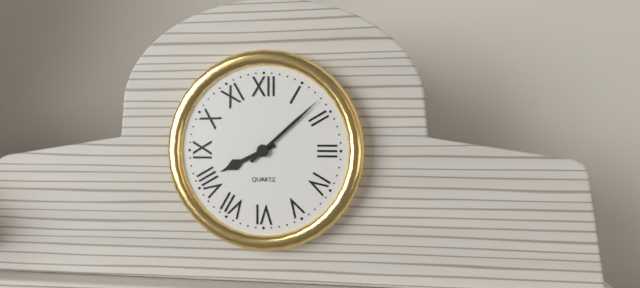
8:08
